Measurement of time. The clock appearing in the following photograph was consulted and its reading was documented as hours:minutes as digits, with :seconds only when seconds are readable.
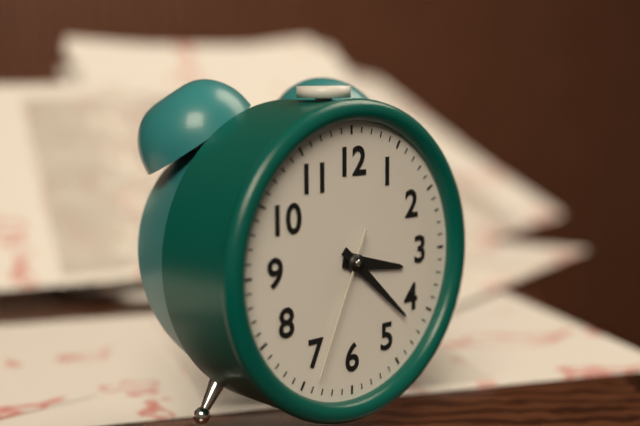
3:22:34
